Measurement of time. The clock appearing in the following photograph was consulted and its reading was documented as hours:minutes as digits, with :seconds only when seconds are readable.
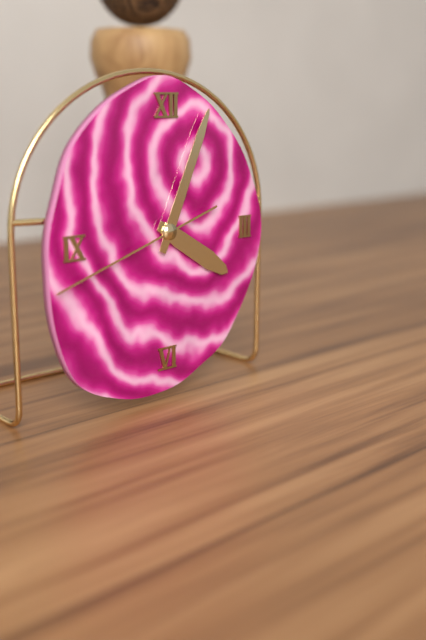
4:04:42
